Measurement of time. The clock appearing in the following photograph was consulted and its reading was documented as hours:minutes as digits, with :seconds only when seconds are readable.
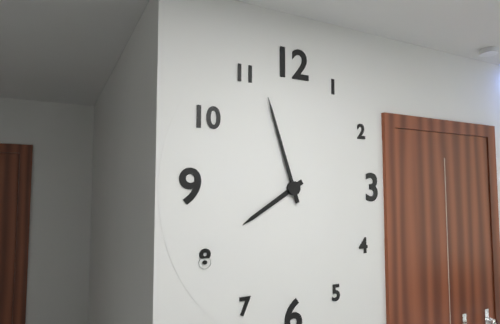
7:57
